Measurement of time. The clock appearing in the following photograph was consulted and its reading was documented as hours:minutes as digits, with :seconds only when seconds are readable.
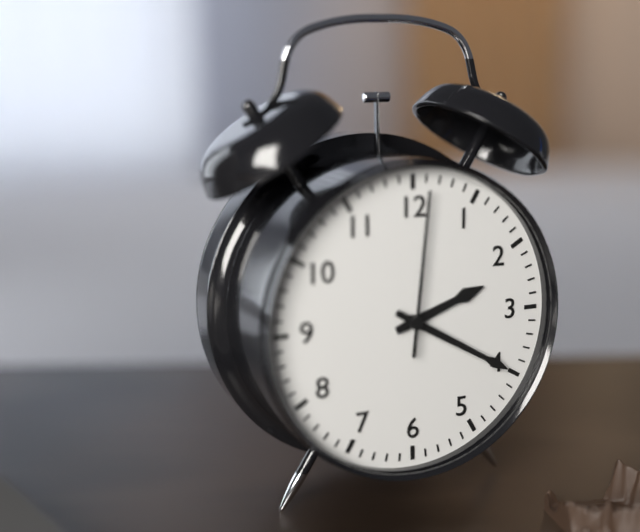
2:20:01
